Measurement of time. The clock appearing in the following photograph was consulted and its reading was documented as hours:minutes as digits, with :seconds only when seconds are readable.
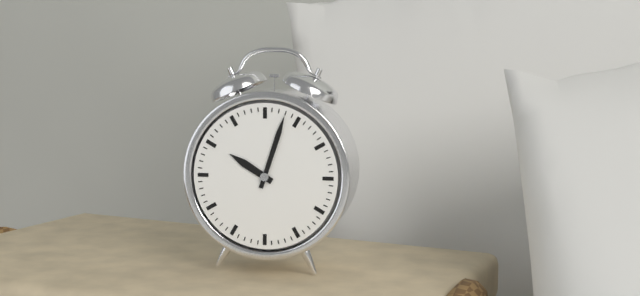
10:03
